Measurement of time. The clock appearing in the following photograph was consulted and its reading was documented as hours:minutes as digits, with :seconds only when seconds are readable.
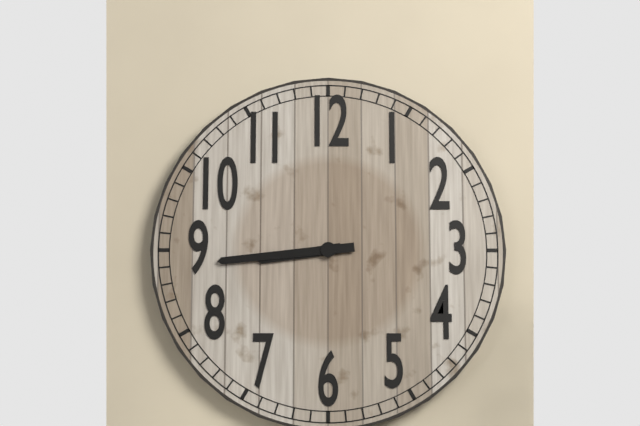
8:44
